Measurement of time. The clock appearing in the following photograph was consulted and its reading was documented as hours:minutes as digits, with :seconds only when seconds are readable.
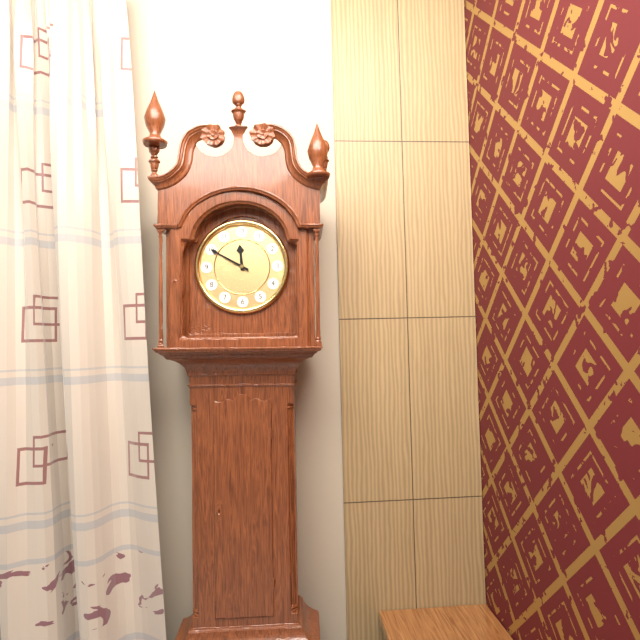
11:50
